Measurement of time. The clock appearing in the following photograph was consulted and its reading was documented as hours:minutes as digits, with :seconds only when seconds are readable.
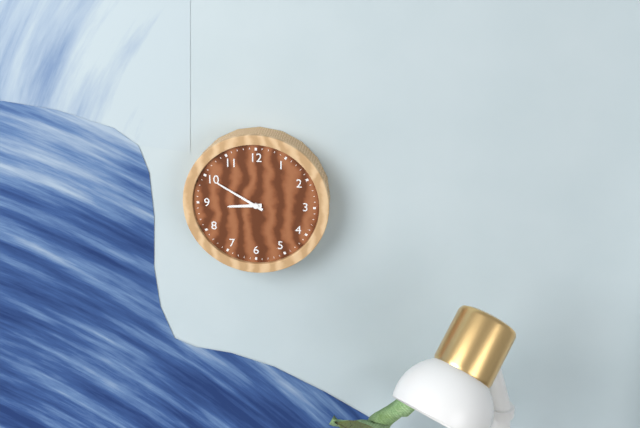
8:50
